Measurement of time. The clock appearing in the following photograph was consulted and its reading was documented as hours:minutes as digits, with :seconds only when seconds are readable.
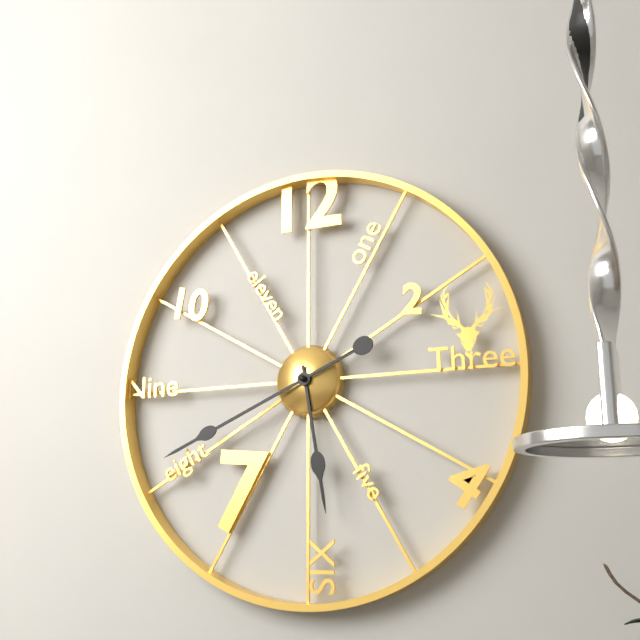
5:41
